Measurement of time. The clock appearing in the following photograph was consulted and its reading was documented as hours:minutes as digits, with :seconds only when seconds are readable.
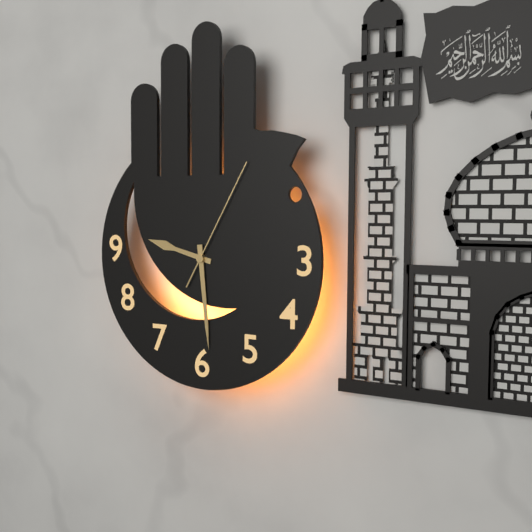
9:29:05
